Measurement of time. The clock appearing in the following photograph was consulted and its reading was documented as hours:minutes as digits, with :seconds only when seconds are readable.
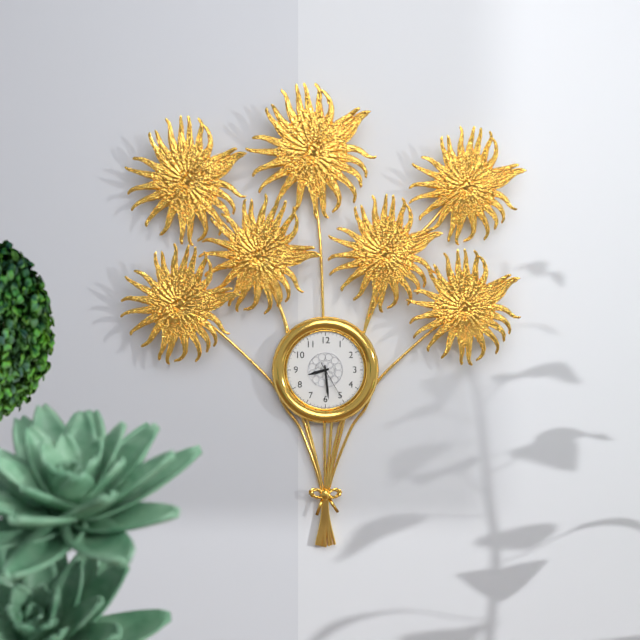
8:29
